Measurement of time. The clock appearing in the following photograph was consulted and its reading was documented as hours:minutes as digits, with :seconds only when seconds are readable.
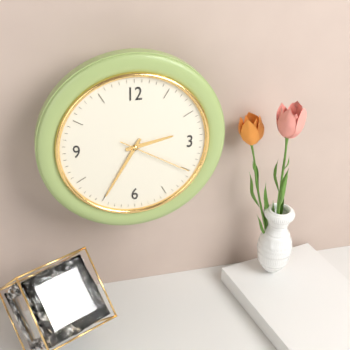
2:35:20
